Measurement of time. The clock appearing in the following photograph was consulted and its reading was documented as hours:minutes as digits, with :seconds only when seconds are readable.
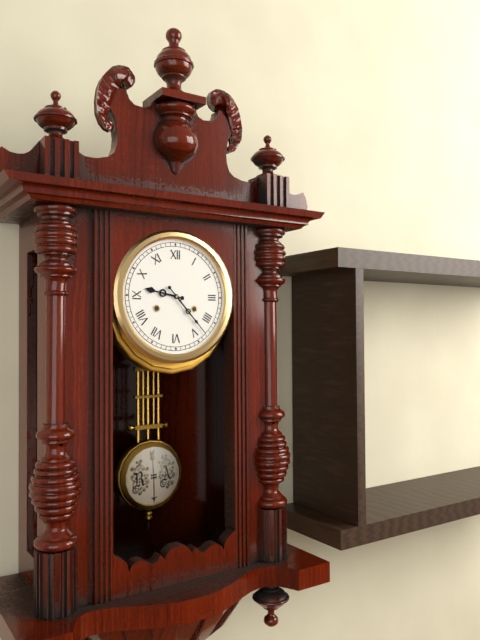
9:23
